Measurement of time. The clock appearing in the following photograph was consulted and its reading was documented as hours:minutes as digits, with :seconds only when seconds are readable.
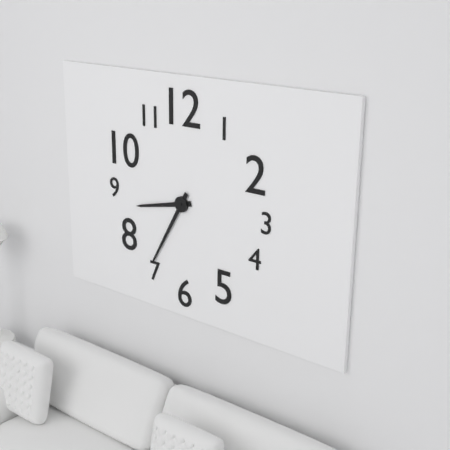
8:35
